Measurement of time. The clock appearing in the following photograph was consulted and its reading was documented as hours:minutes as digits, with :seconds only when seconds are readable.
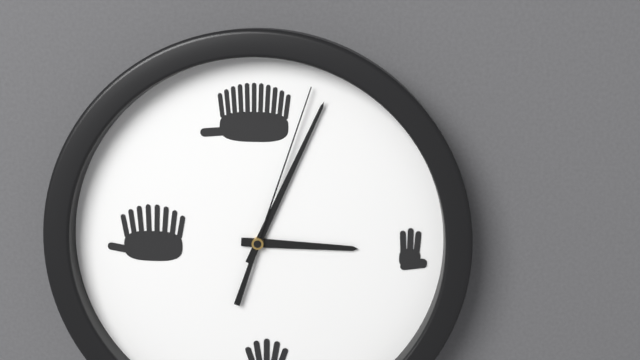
3:04:03
